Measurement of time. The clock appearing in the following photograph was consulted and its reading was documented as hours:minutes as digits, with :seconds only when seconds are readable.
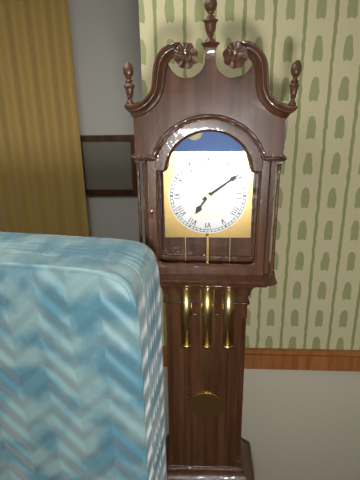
7:09
